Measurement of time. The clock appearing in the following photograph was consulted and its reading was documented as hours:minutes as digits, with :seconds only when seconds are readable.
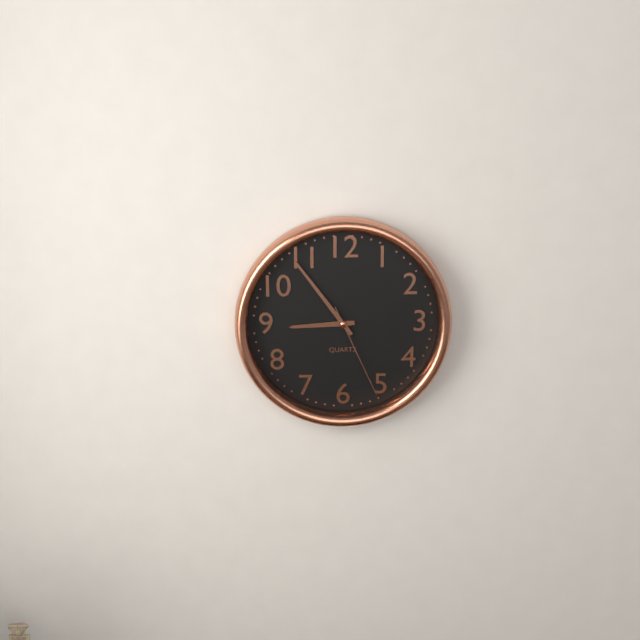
8:54:26
